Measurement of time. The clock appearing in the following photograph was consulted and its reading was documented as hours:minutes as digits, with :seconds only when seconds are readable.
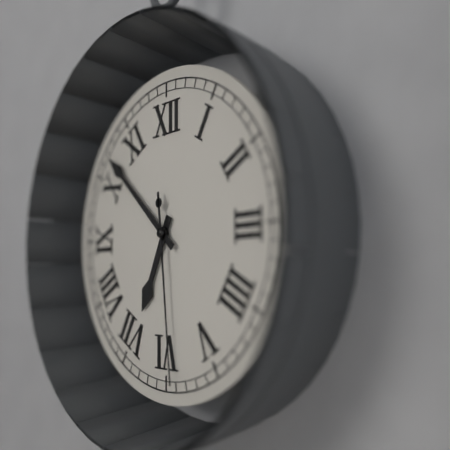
6:52:29
